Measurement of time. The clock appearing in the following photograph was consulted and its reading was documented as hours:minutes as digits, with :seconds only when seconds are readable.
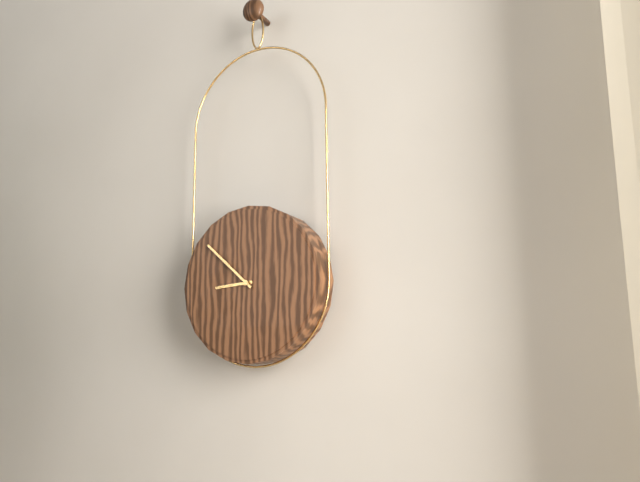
8:52
